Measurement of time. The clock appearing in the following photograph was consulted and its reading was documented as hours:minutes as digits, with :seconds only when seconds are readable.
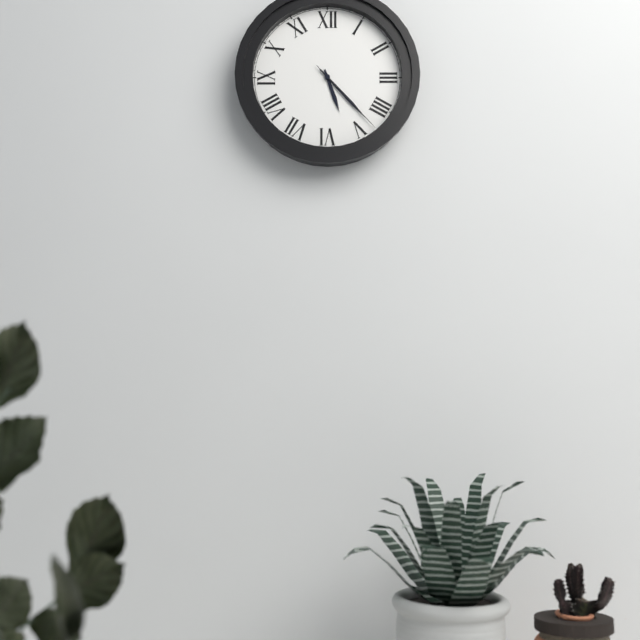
5:23:23
